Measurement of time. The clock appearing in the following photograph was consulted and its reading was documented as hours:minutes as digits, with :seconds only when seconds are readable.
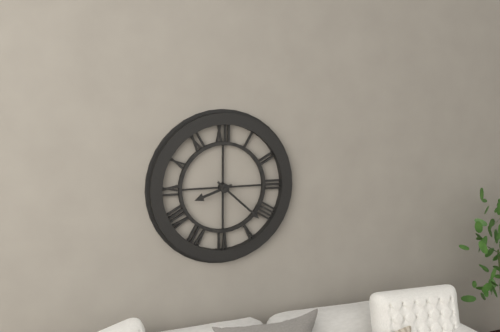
8:22
